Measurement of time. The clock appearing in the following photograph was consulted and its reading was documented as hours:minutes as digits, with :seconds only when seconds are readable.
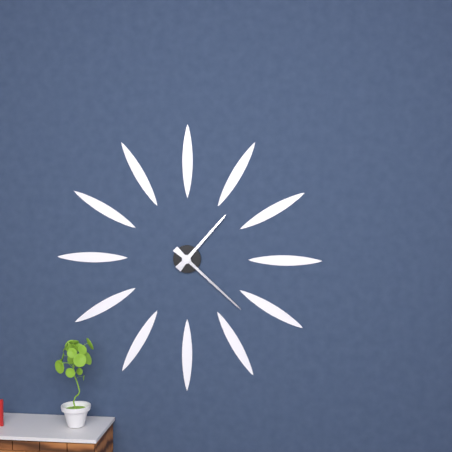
1:22
